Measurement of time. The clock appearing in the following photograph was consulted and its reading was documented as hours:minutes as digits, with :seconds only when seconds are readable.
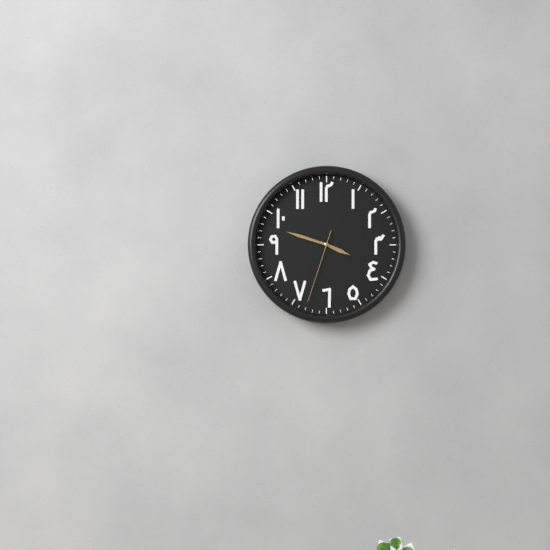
3:48:33
